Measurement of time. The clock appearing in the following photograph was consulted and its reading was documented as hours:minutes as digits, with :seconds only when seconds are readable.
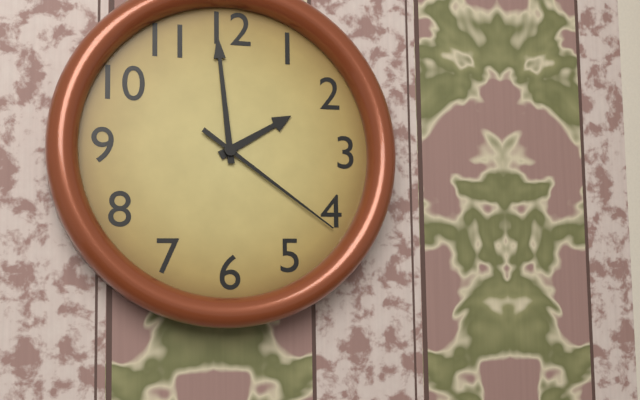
1:59:21
